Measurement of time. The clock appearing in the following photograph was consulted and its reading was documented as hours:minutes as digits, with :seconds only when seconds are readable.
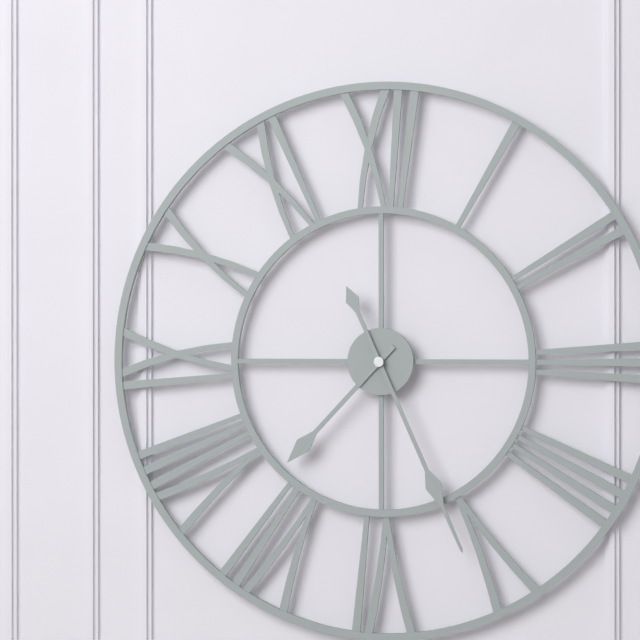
7:26
